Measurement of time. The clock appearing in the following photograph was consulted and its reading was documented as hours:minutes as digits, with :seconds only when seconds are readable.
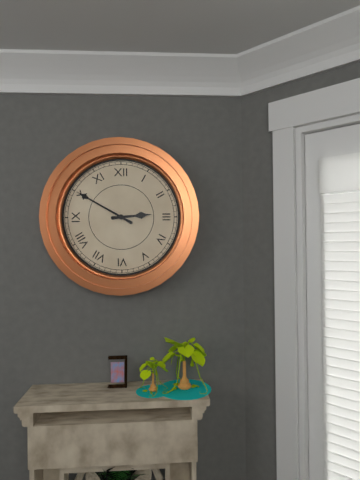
2:50
